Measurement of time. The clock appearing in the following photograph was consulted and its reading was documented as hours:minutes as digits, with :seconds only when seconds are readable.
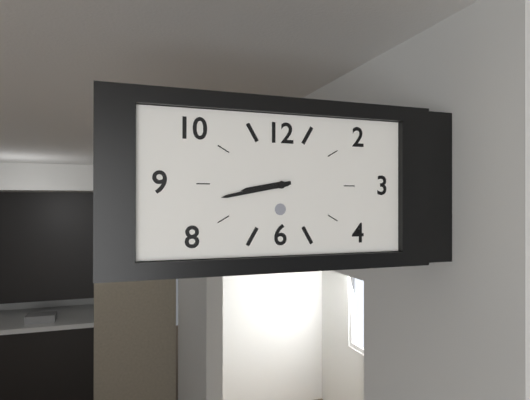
8:43
